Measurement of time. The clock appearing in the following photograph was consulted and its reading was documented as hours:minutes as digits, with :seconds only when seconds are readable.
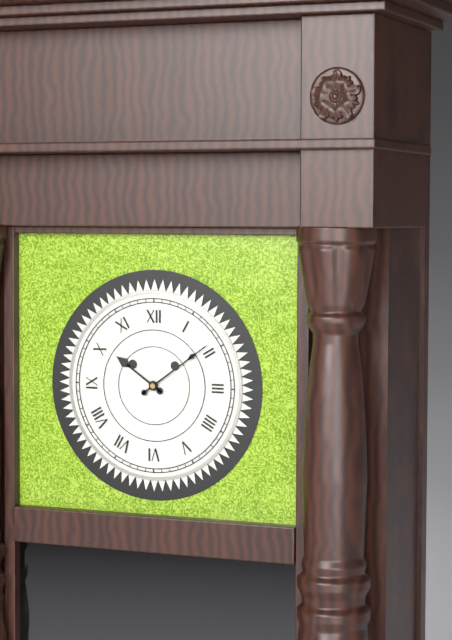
10:09
